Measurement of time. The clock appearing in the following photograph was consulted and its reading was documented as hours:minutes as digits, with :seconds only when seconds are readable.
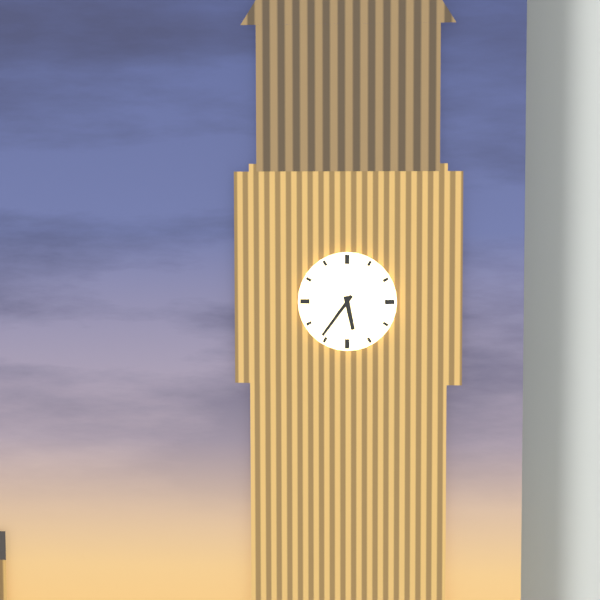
5:36
